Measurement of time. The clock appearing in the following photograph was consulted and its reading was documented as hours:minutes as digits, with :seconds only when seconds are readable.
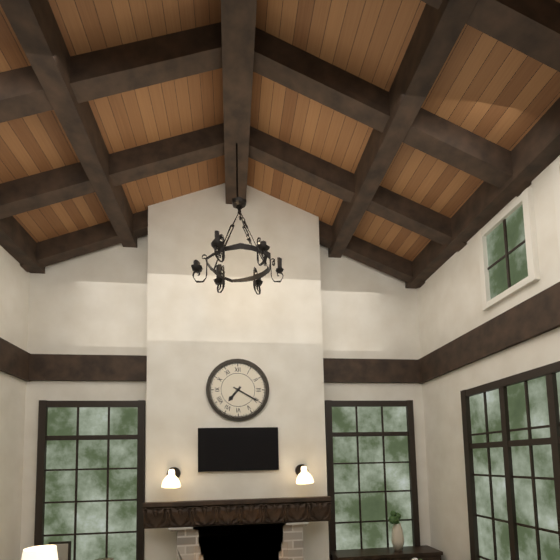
7:20
